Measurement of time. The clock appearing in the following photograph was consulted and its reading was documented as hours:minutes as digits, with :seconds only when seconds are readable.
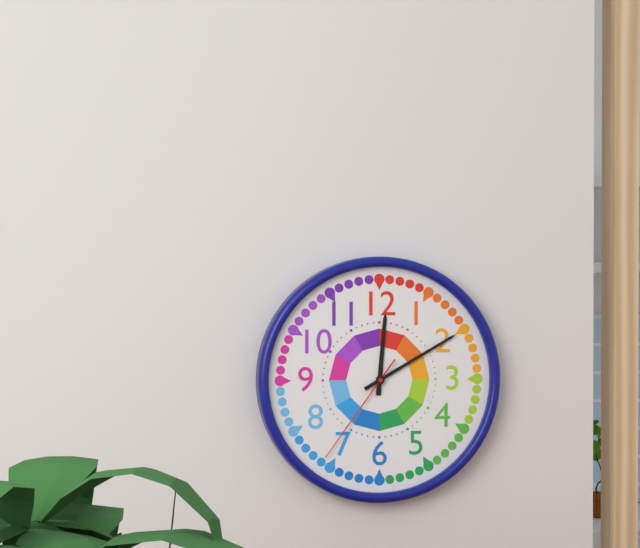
12:10:36
